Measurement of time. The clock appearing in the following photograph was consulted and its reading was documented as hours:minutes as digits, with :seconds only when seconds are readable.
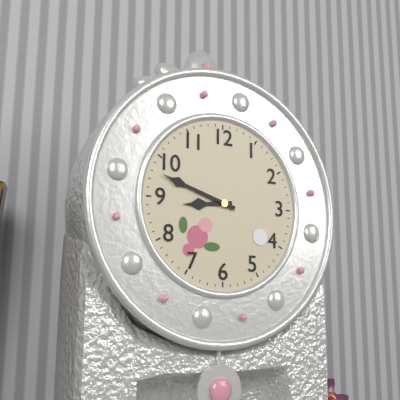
8:48
